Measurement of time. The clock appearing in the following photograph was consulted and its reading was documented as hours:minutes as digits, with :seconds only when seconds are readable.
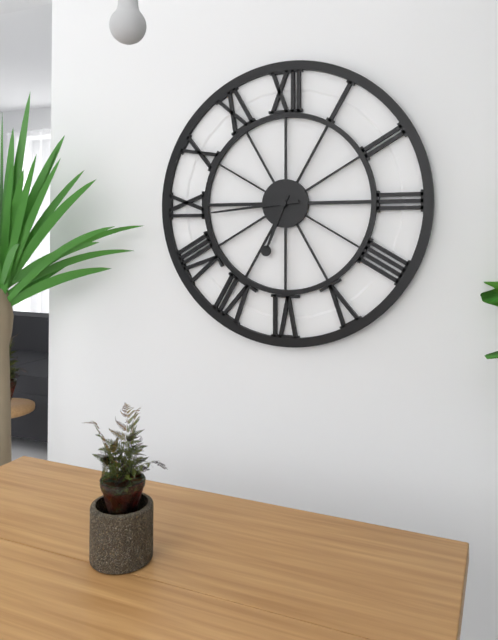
6:44
